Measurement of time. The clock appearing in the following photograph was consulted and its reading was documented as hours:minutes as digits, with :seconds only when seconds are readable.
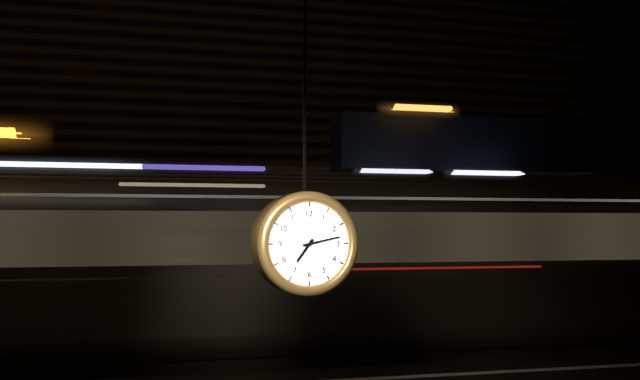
7:13
